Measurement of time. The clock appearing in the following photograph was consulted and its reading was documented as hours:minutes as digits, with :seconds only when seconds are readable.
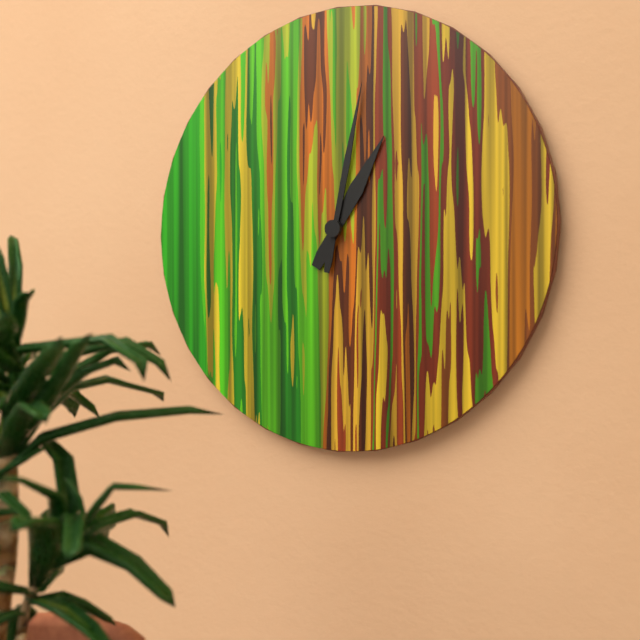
1:02
